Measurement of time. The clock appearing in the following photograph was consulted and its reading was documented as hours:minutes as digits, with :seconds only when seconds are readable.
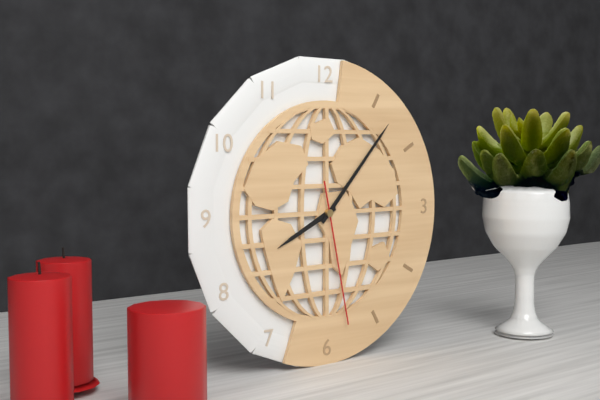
8:07:28
